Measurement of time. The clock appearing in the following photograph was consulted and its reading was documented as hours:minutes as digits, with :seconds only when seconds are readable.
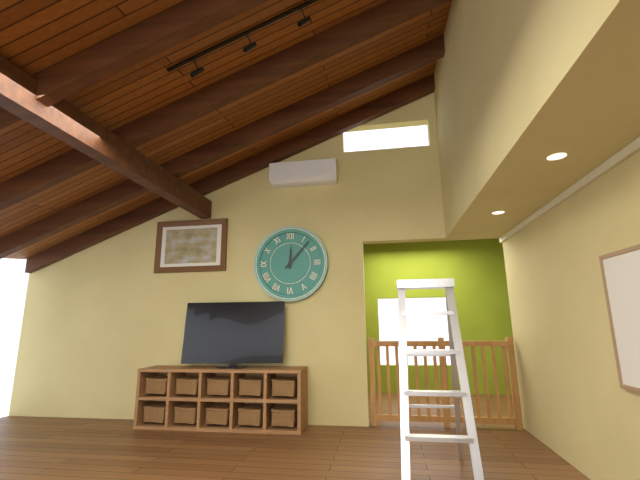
12:07
